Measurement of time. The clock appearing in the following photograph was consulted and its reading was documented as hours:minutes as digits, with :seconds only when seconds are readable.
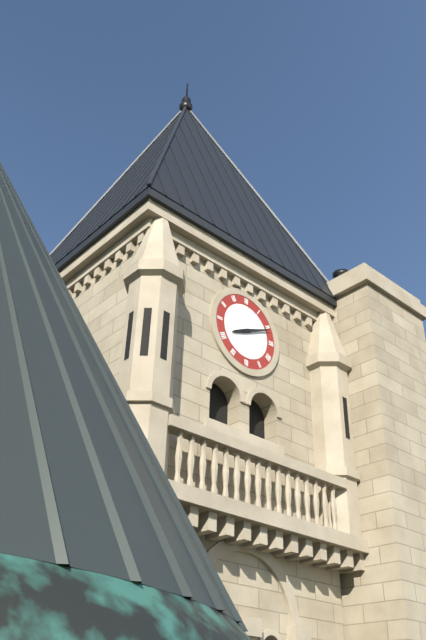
8:11
